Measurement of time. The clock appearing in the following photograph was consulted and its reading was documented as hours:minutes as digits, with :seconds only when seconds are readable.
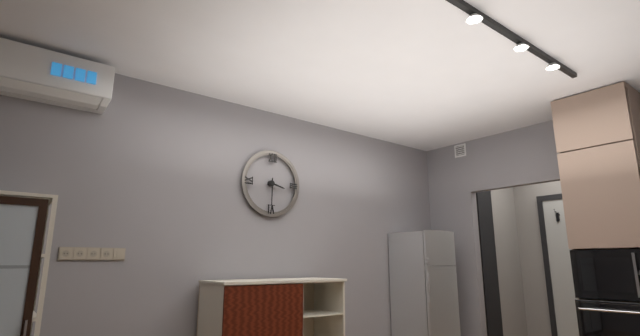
3:30
